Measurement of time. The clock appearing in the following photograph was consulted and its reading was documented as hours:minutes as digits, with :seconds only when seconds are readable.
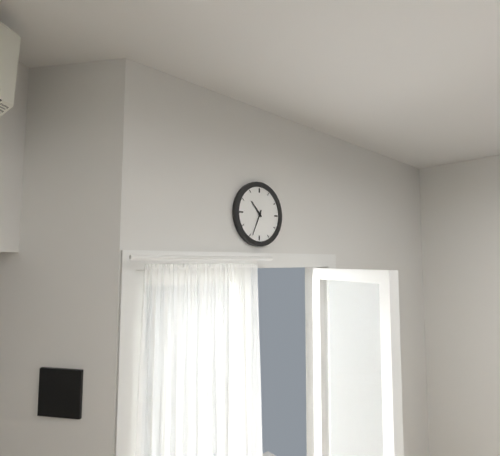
10:34
